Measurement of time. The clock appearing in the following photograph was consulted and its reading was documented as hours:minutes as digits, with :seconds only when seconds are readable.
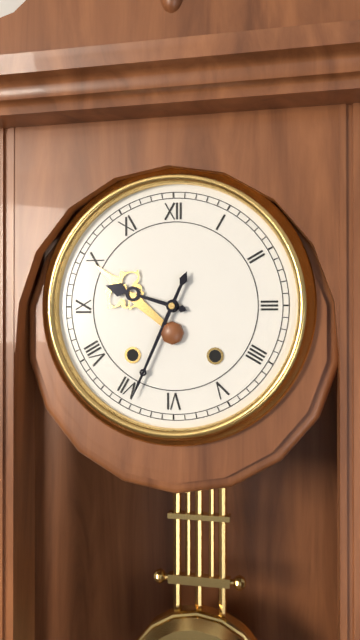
9:34
